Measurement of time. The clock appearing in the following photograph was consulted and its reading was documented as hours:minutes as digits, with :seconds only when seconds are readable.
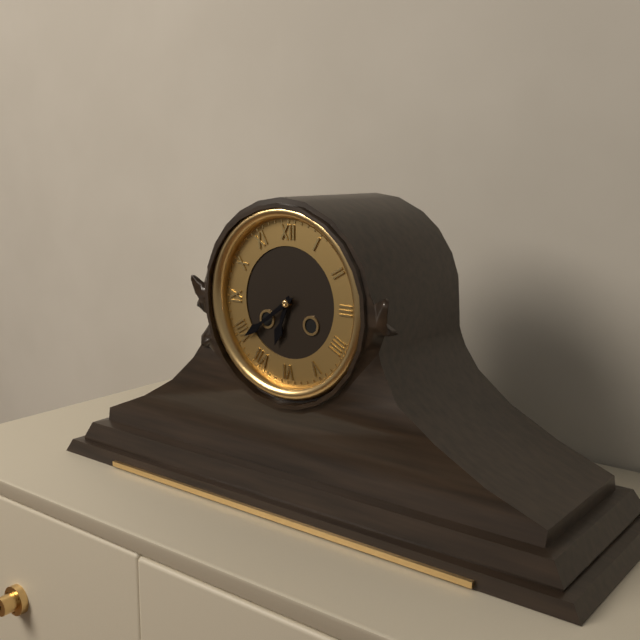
6:39
